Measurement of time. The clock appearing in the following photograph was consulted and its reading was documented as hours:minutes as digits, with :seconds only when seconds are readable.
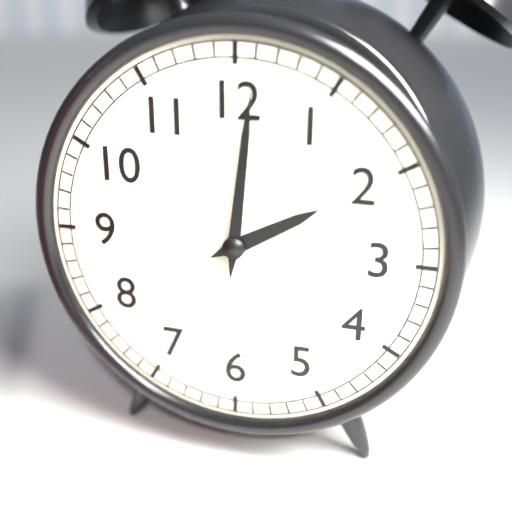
2:01
